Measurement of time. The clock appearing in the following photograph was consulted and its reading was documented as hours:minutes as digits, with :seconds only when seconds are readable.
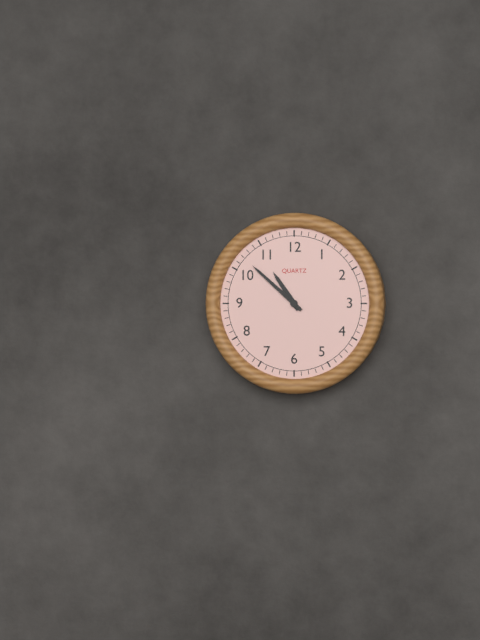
10:52
